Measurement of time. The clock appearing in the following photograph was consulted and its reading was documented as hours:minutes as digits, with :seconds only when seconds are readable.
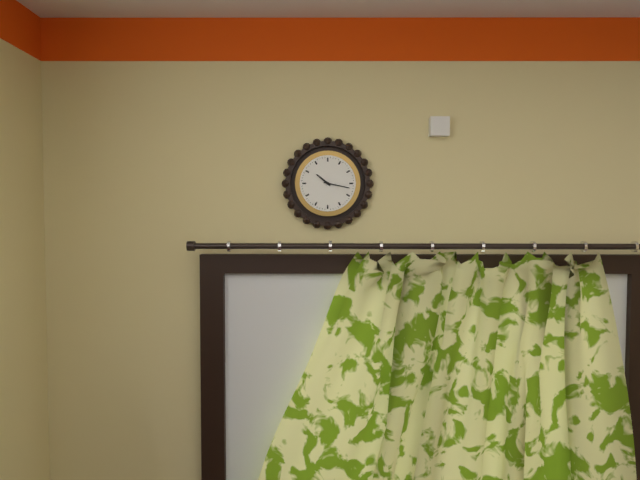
10:17
